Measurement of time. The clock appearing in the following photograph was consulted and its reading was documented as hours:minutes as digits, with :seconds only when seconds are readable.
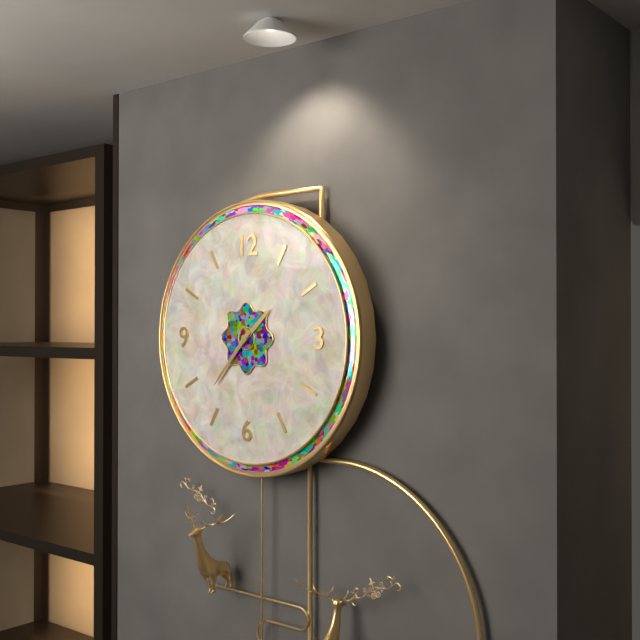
1:37
